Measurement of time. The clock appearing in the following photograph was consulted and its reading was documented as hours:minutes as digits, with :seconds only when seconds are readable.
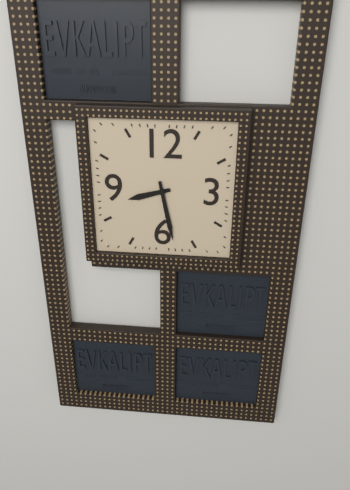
8:28
